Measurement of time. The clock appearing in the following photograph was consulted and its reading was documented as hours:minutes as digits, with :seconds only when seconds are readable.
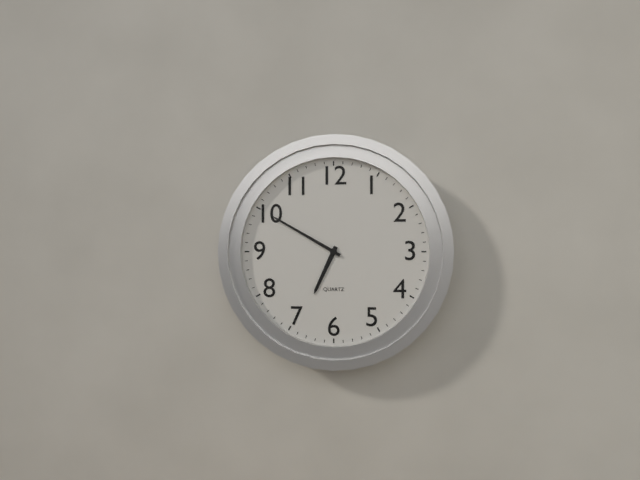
6:50
